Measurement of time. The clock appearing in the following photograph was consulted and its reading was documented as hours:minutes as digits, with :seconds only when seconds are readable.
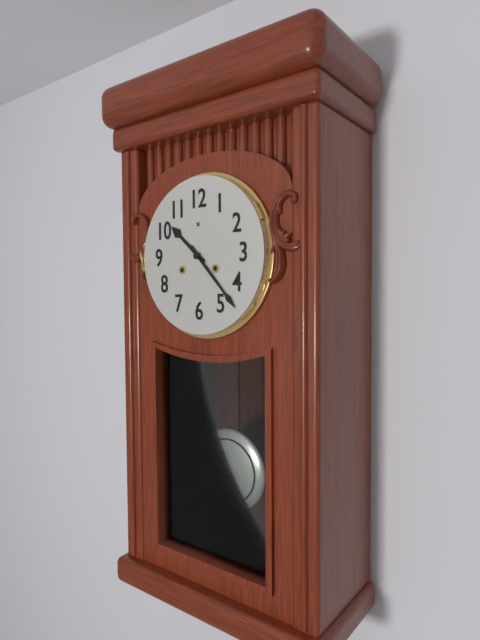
10:23
